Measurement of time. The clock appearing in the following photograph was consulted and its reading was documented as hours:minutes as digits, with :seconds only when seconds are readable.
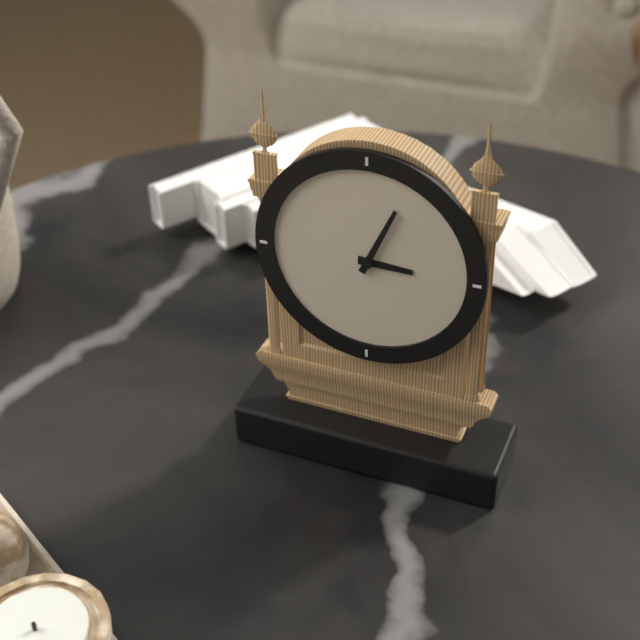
3:04
